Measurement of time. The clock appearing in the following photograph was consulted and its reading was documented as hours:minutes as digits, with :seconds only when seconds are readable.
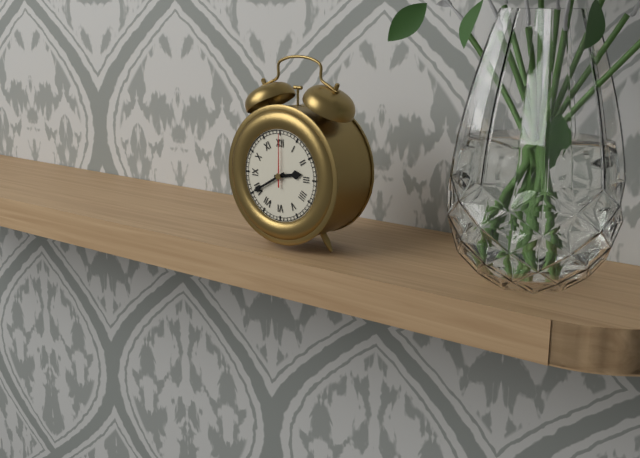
2:40:00
